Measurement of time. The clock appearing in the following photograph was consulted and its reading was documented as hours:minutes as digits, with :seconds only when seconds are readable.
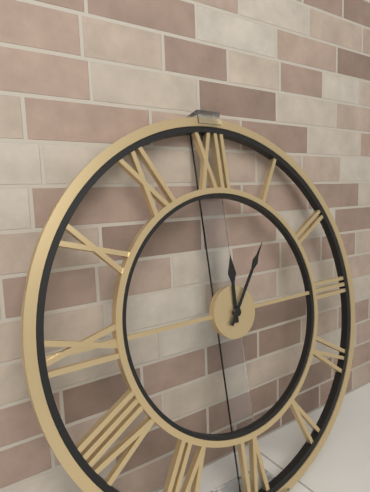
12:06
